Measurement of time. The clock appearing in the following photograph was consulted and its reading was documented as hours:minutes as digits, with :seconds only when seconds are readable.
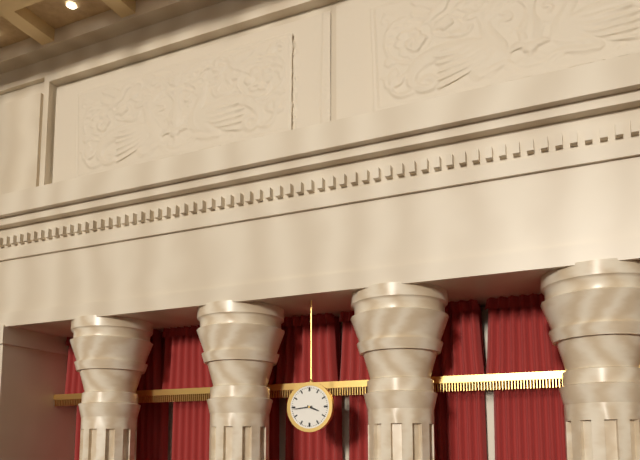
3:44
